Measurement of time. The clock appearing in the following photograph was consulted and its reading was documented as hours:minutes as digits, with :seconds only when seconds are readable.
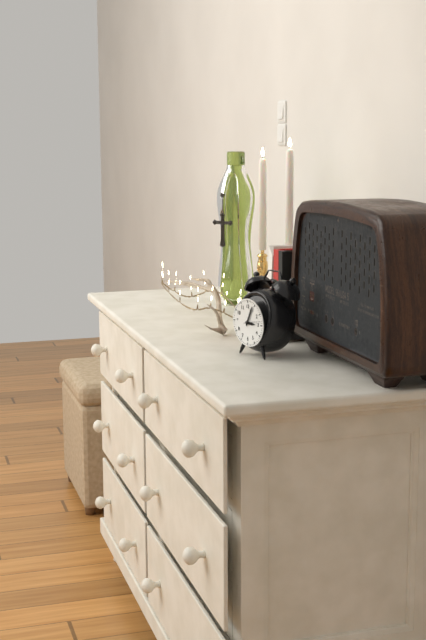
3:04
